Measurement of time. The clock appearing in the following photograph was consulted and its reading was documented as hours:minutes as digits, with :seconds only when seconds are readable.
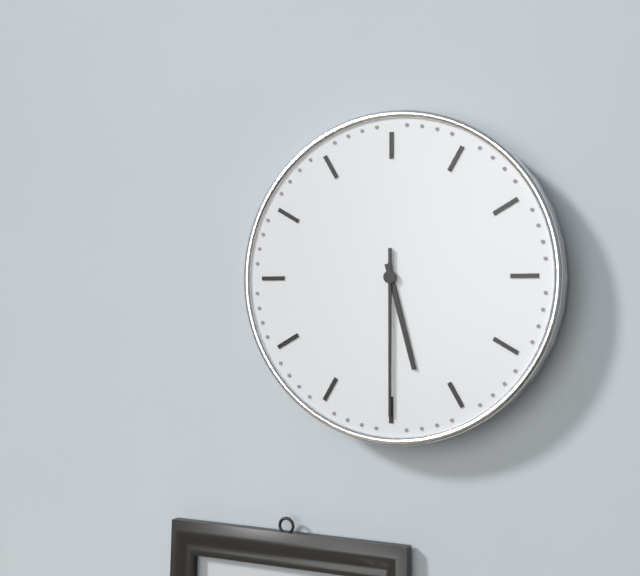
5:30
